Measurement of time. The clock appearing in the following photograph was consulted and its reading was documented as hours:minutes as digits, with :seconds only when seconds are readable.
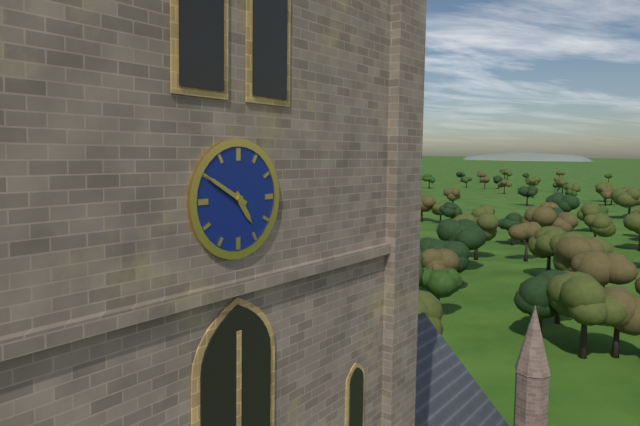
4:50
